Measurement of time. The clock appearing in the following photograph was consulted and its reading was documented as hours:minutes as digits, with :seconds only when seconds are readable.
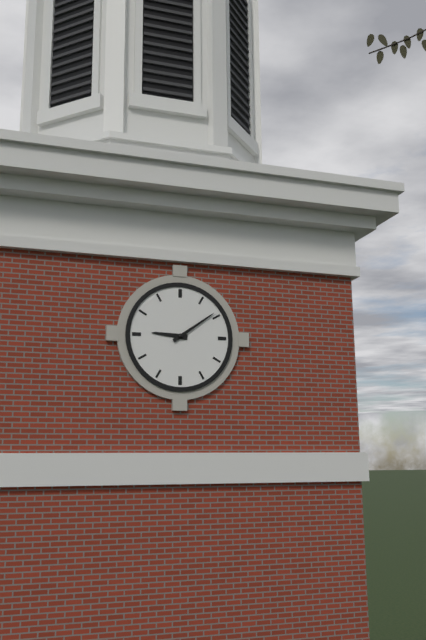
9:09
